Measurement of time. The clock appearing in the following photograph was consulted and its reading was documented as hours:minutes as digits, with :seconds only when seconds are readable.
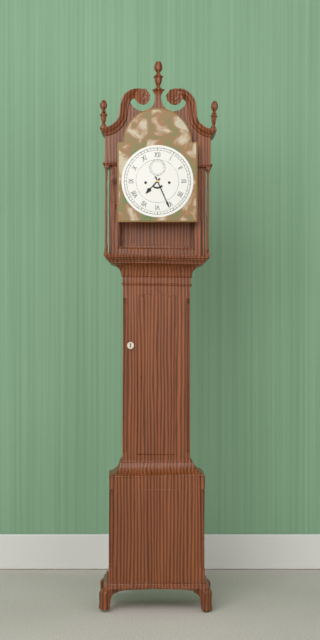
7:26
